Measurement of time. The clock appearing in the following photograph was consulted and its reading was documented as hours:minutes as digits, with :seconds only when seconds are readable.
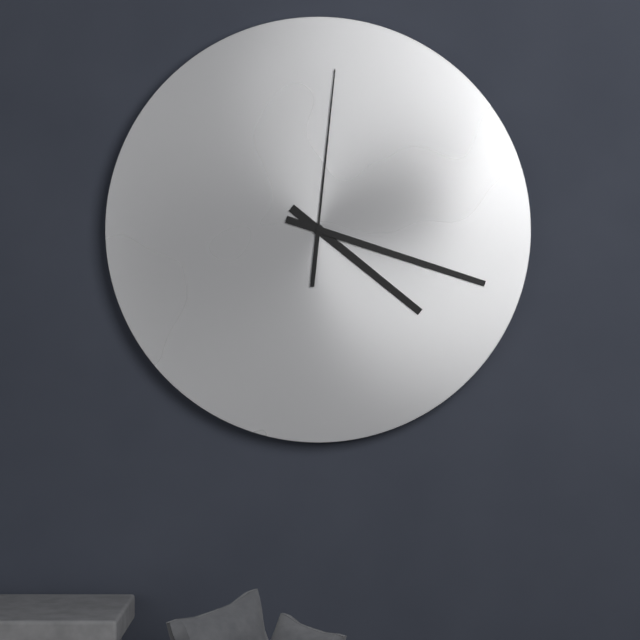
4:18:01
